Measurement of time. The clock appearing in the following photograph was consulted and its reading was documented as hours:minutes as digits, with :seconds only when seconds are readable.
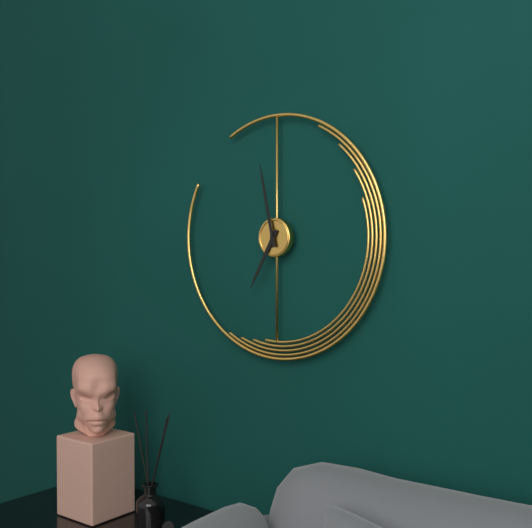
6:58
